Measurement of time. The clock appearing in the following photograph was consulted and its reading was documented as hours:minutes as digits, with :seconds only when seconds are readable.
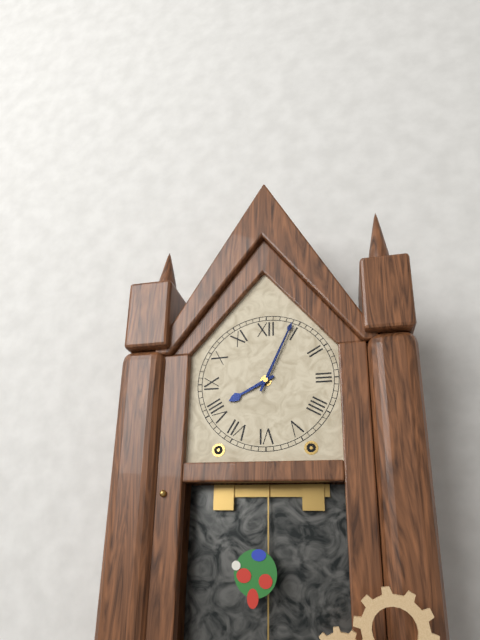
8:04
